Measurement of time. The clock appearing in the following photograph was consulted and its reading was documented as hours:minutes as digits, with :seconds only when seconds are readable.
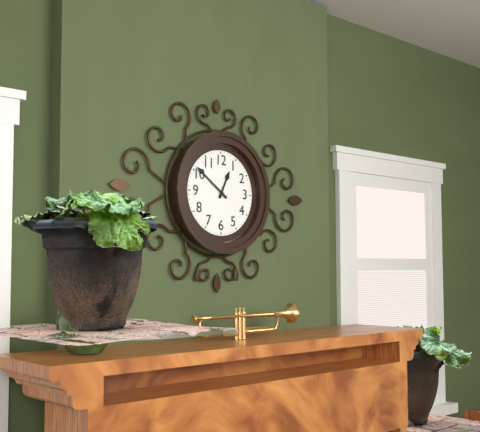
12:51
